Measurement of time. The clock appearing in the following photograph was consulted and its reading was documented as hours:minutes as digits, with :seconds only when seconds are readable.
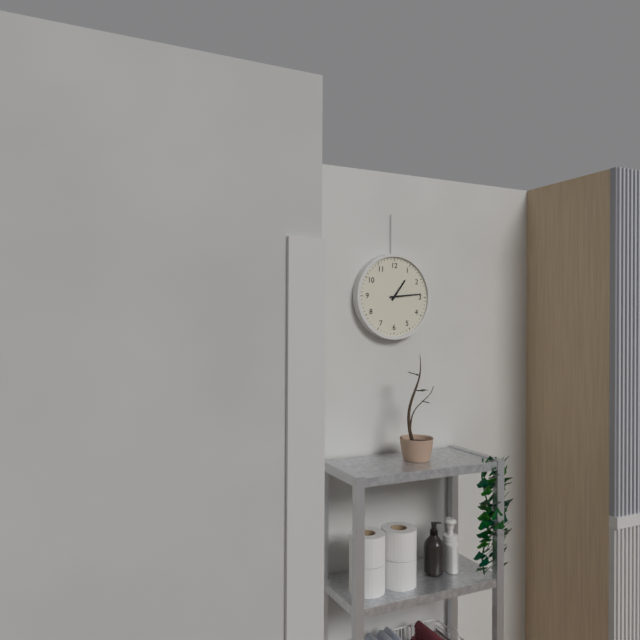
1:14
